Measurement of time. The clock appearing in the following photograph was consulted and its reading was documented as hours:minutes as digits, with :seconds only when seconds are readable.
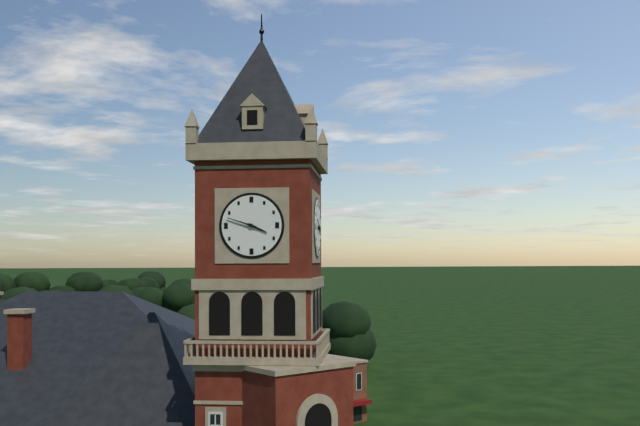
3:48
